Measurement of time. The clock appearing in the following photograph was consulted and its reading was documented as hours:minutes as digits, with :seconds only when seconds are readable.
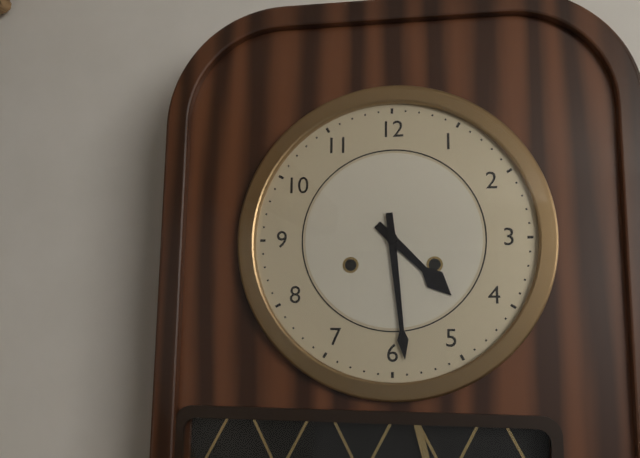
4:29
